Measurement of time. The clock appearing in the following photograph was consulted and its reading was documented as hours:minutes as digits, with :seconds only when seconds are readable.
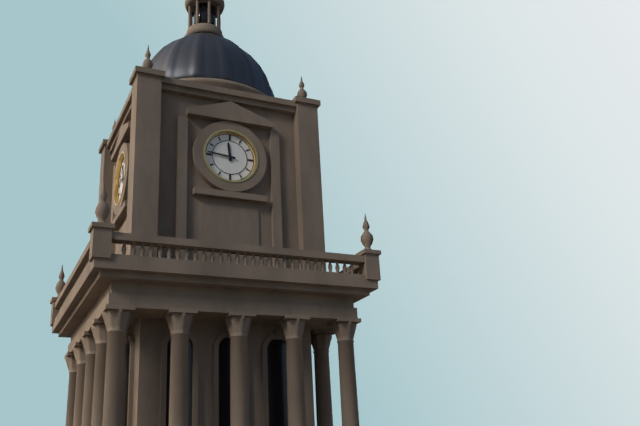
11:46
